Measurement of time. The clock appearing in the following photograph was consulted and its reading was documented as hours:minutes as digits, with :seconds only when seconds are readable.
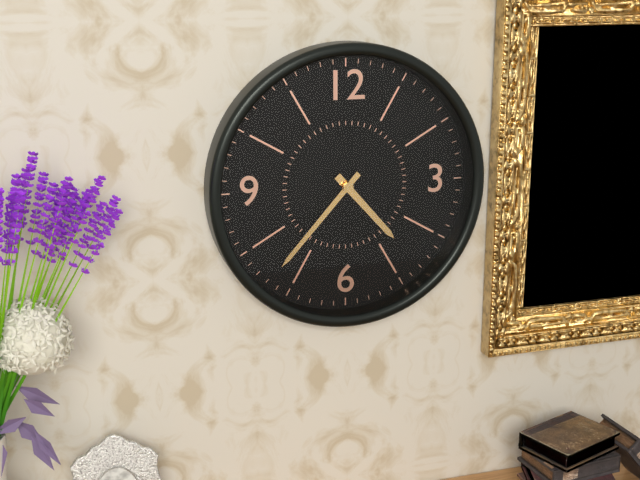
4:37
